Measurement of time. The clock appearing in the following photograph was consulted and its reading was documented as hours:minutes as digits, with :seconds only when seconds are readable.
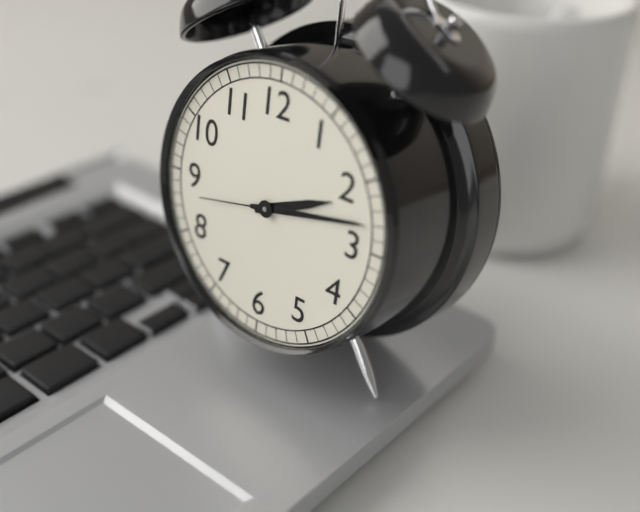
2:13:43
